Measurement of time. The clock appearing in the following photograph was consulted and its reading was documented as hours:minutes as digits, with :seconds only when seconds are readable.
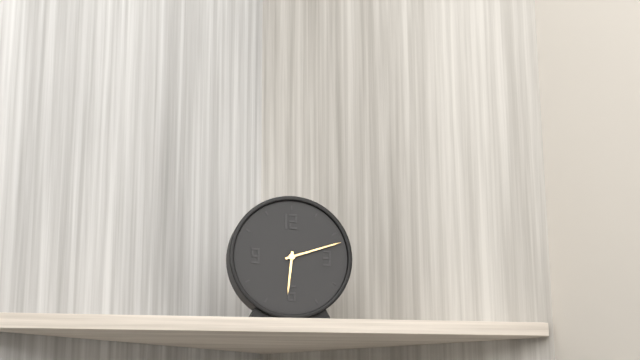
6:12
